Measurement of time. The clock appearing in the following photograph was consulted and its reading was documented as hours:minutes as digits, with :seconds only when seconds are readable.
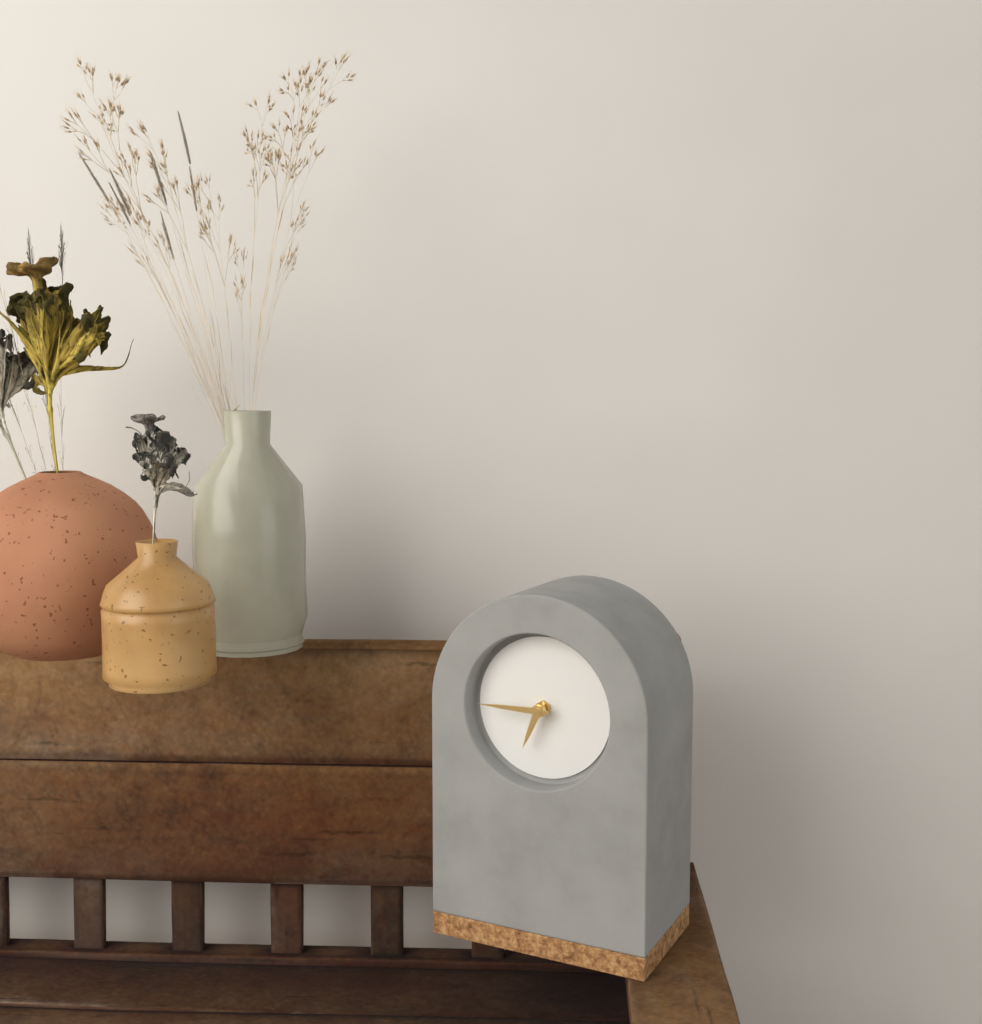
6:45
